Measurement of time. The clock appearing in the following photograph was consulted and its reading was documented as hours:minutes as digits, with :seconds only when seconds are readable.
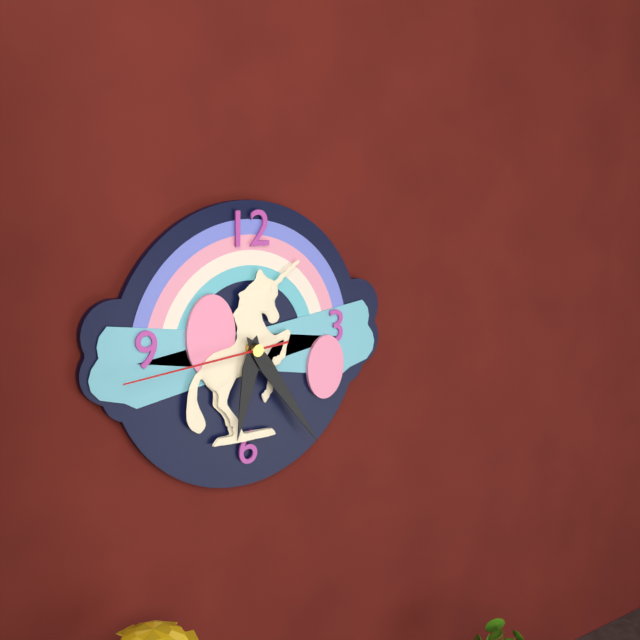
6:24:44
